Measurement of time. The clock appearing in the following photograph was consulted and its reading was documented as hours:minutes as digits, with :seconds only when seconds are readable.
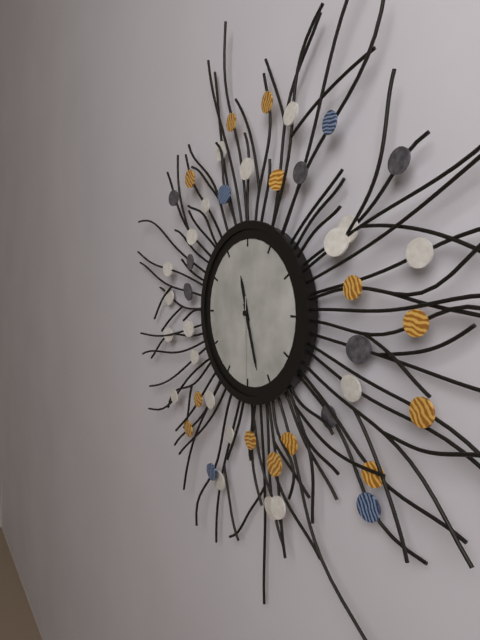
11:27:30
